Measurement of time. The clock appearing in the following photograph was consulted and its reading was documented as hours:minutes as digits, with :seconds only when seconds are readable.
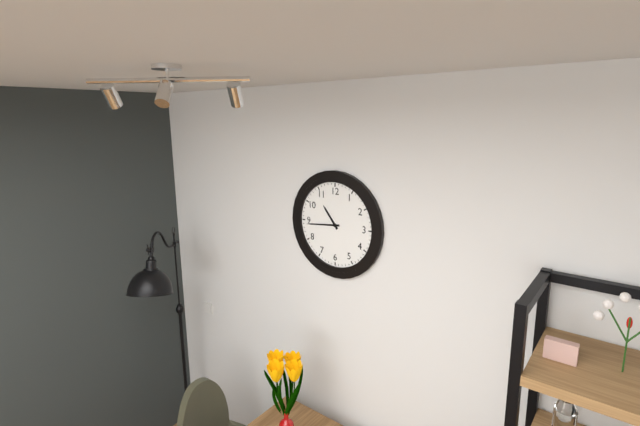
10:44
